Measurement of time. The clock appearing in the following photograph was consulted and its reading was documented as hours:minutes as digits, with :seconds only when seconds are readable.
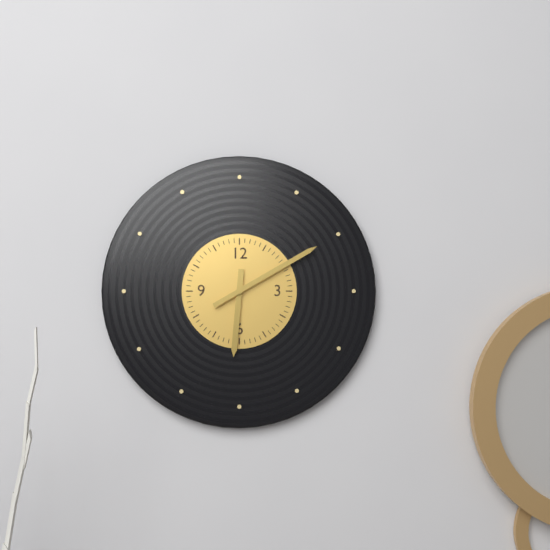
6:10
